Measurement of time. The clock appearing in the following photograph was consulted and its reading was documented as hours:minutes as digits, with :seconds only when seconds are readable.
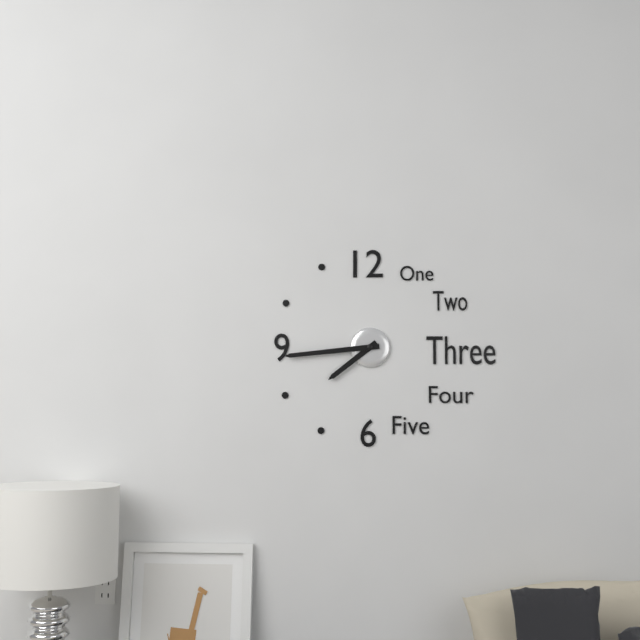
7:44
